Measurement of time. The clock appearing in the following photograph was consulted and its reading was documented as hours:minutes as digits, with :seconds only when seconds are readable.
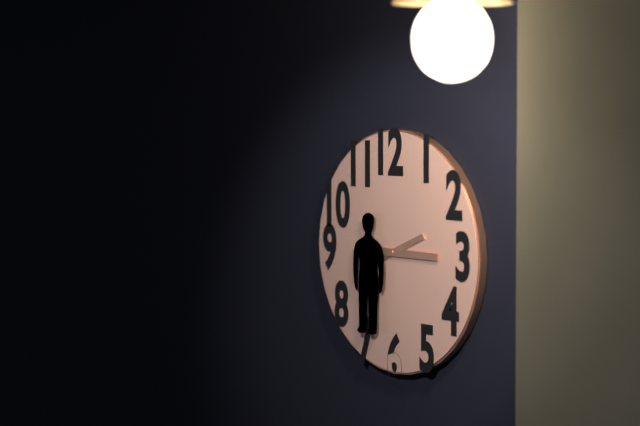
2:15
